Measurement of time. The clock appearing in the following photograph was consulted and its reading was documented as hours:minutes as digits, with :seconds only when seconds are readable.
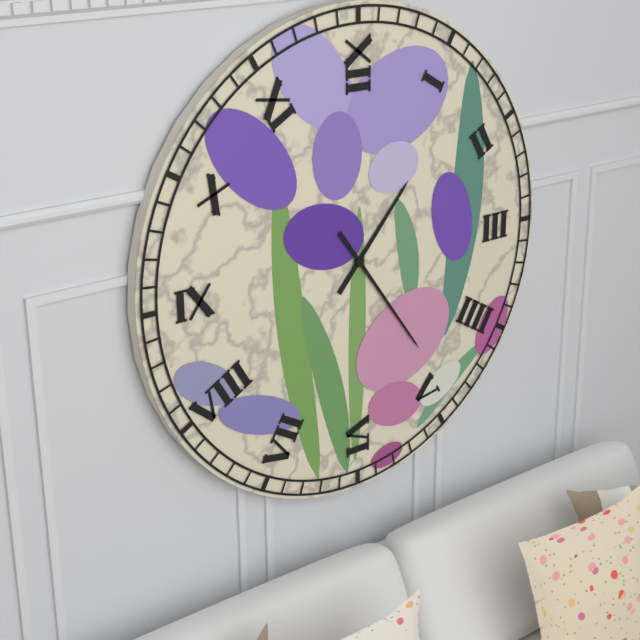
1:24
